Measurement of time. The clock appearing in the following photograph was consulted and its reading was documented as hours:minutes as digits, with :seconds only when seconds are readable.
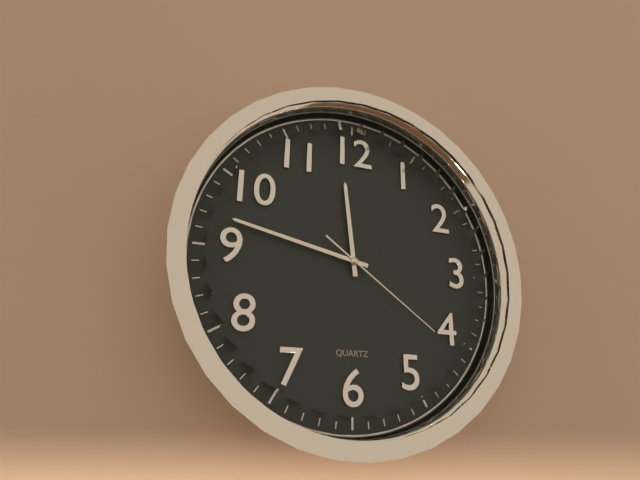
11:47:21
